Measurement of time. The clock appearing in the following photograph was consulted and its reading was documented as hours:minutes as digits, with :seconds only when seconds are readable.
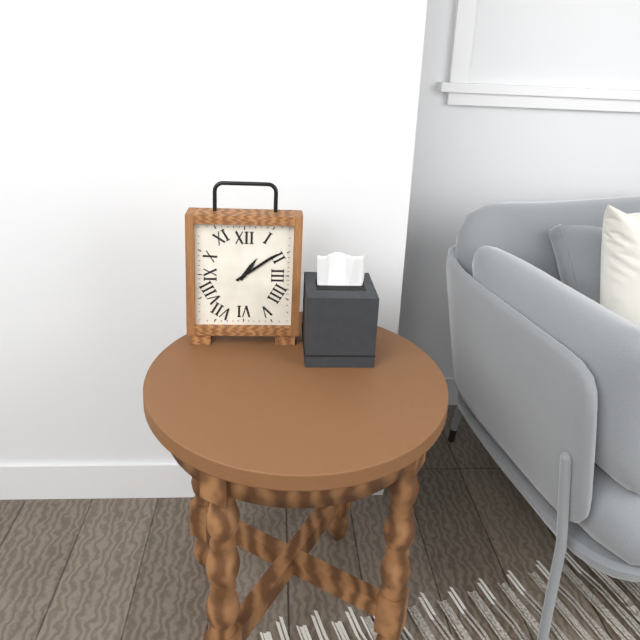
1:09
